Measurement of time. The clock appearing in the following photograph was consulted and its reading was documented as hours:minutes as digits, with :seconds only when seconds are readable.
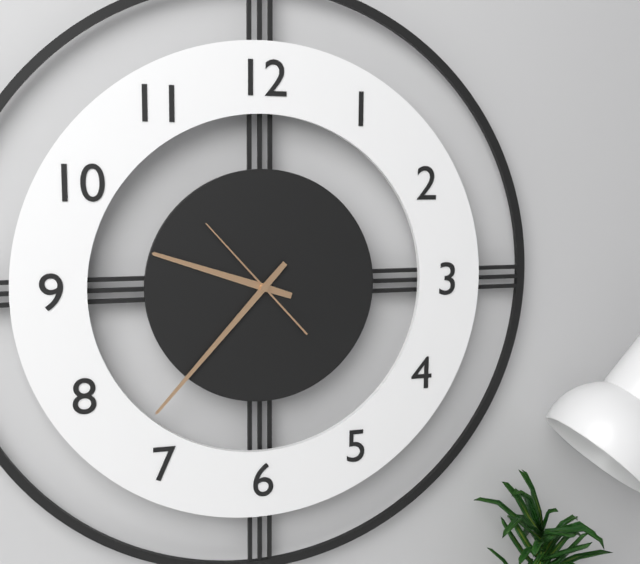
9:37:53
